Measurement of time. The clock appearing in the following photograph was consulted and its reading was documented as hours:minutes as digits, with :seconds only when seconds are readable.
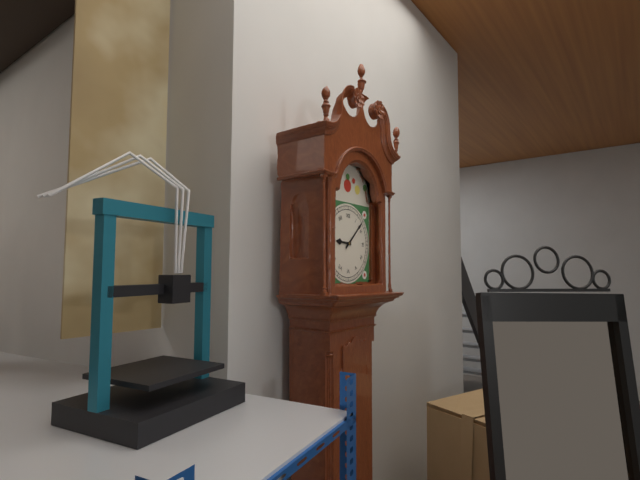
9:08
